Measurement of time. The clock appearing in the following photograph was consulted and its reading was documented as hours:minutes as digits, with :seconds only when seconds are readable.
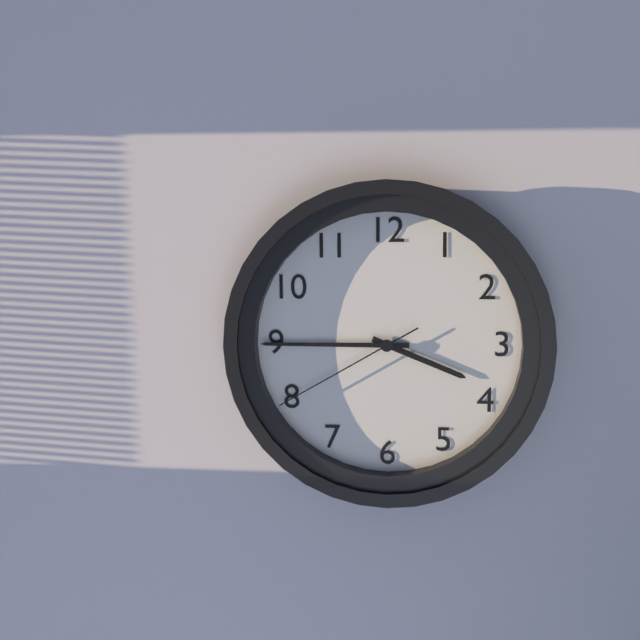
3:45:40
